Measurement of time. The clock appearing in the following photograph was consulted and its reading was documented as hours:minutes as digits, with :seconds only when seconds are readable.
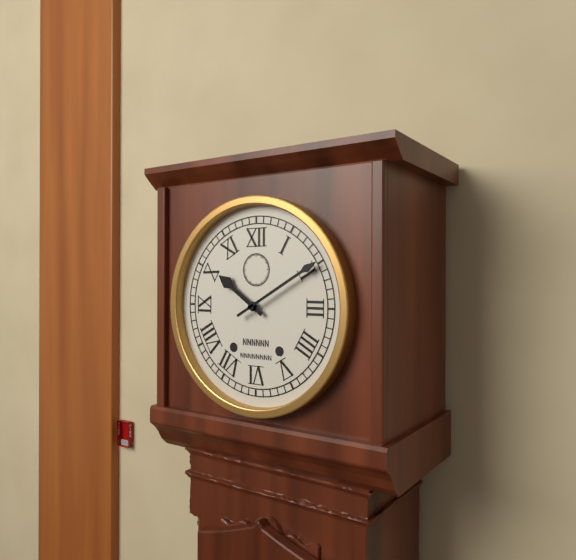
10:10
